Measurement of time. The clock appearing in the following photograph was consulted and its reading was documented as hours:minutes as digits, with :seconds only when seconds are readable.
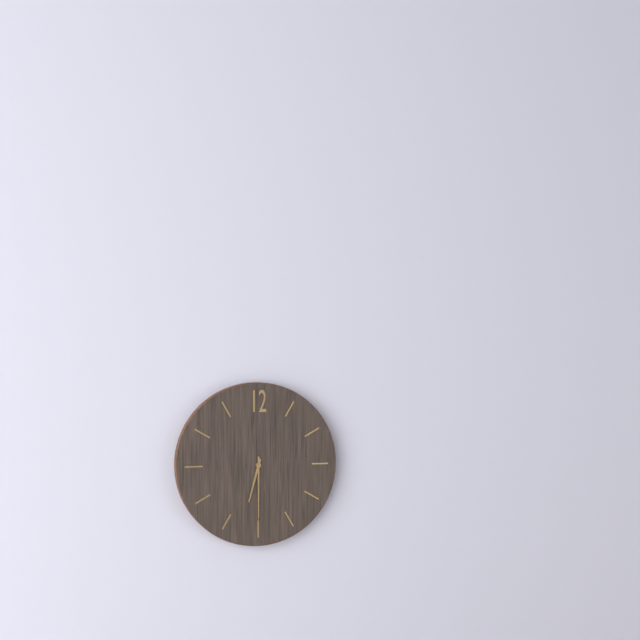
6:30
